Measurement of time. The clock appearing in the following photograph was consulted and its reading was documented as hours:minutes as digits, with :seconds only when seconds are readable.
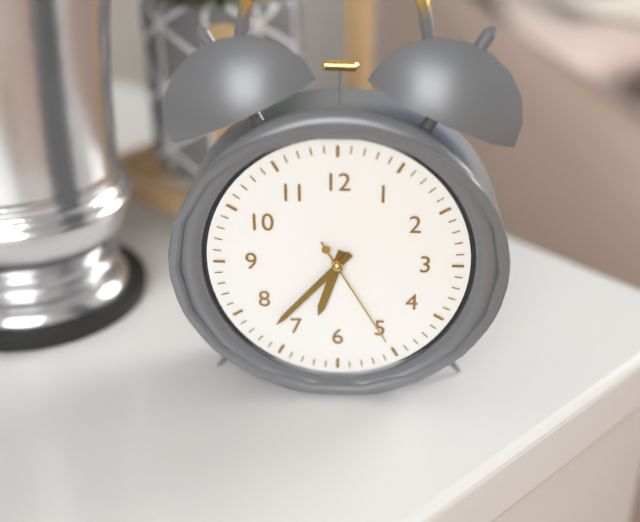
6:37:25
